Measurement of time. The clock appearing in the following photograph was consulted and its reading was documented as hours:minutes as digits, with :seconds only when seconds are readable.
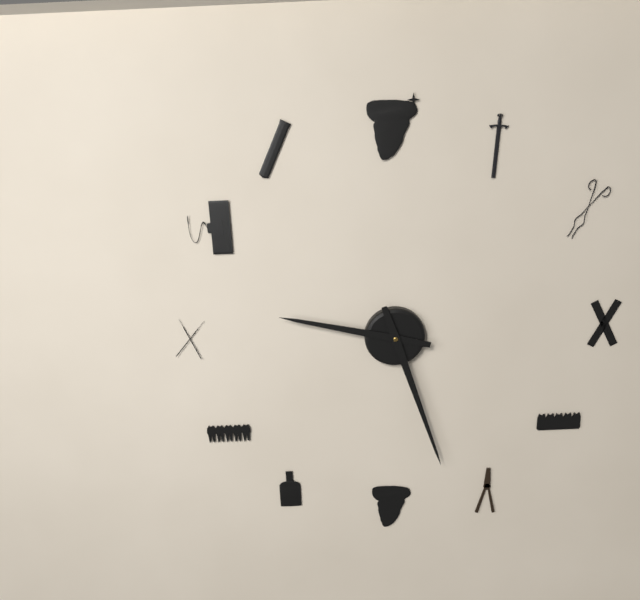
9:27
